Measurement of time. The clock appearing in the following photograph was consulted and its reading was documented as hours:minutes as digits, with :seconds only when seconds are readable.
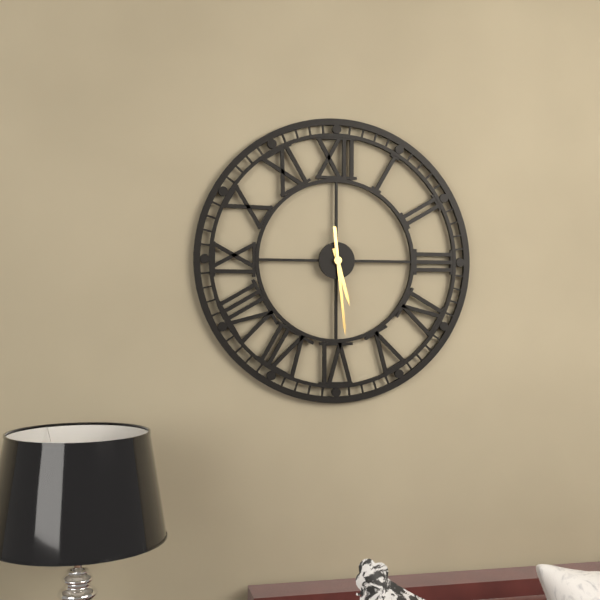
5:29
